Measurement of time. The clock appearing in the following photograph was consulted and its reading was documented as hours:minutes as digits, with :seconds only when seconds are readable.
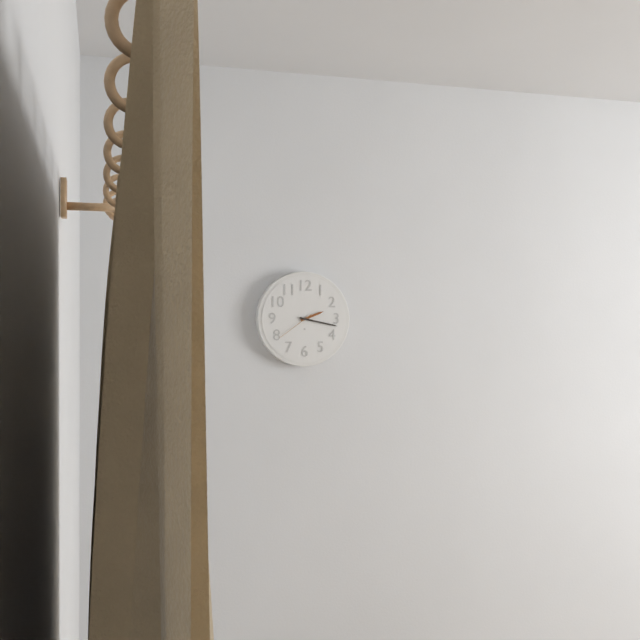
2:17
